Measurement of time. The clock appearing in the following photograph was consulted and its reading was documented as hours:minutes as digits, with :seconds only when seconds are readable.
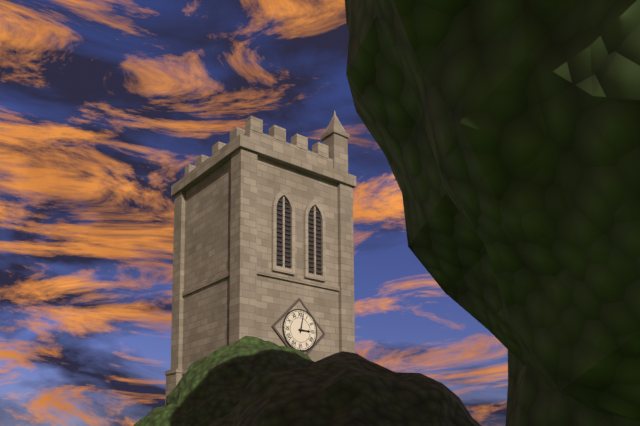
3:02
